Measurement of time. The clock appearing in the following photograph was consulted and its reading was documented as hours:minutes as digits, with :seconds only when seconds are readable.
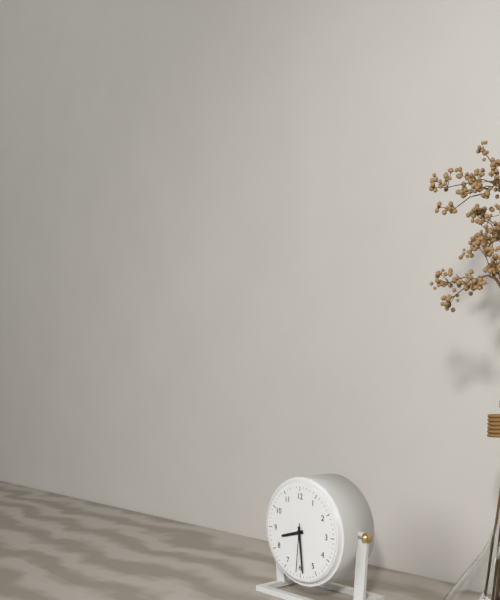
8:29:31
